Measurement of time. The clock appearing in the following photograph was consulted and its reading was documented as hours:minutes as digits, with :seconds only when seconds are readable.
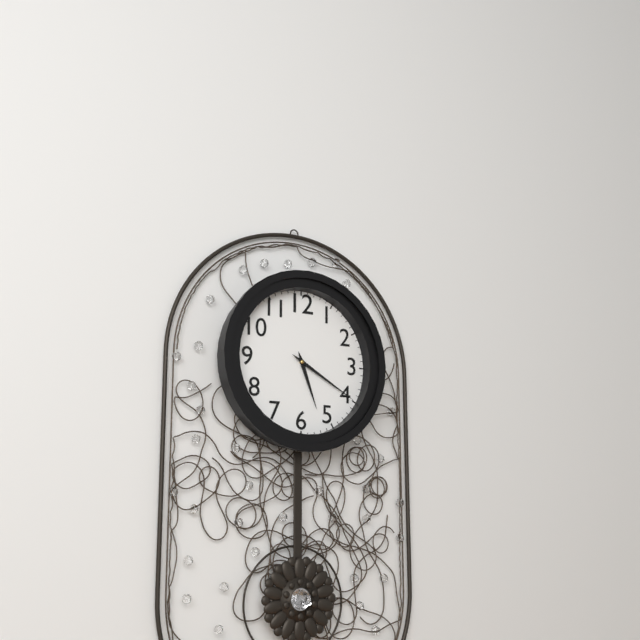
5:20
